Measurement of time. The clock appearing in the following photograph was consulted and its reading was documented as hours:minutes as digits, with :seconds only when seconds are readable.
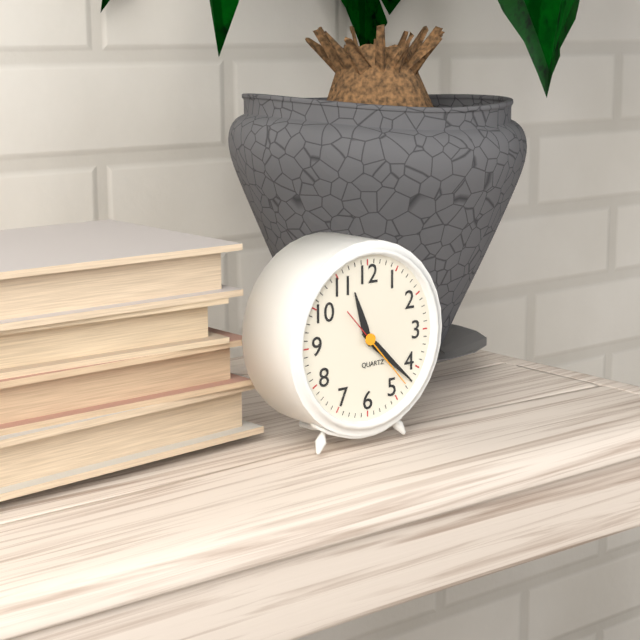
11:22:23
